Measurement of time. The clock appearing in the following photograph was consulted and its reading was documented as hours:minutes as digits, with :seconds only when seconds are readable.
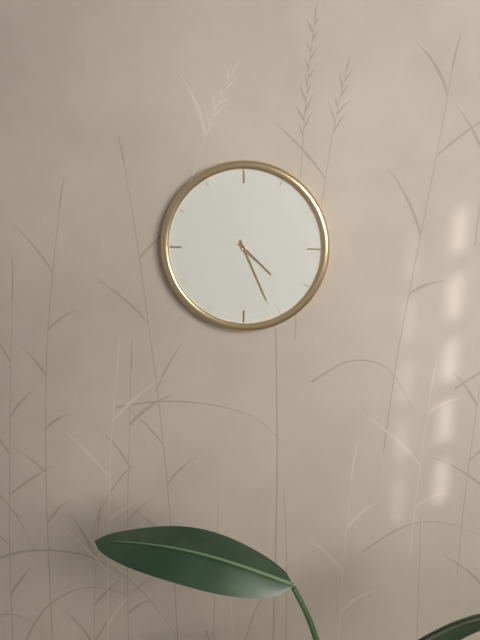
4:26
